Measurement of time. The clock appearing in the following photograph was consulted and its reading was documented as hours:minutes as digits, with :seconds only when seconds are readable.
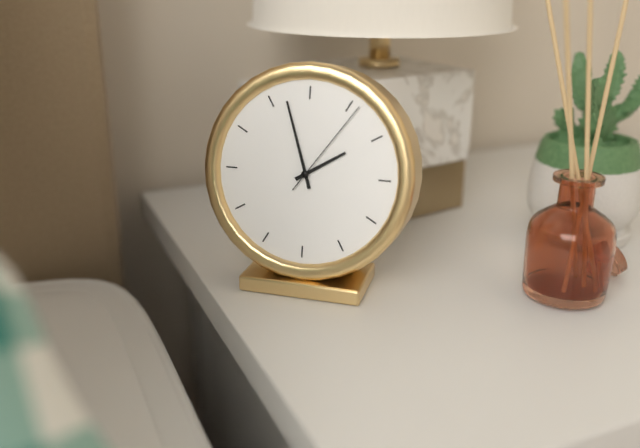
1:57:06
